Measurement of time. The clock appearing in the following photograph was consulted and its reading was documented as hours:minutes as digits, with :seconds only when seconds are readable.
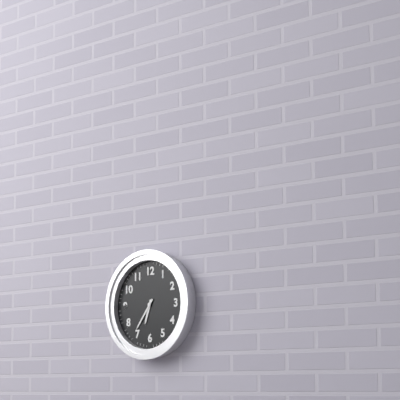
6:36
